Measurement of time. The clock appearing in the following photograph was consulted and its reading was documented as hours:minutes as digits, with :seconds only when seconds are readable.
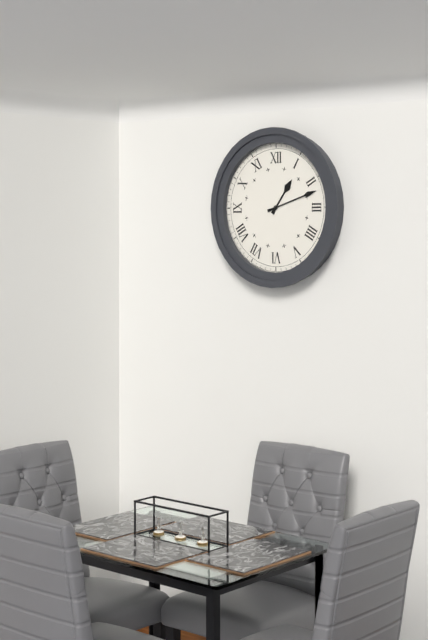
1:12
